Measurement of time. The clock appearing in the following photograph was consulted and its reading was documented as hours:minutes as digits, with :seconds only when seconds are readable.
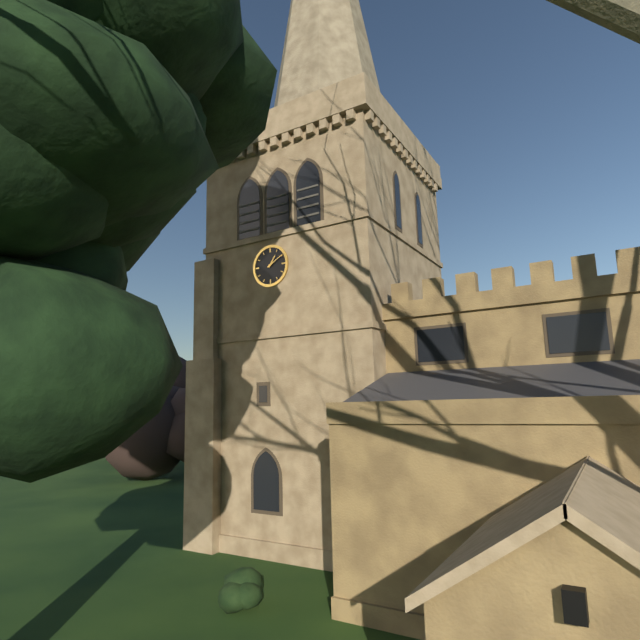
1:10
